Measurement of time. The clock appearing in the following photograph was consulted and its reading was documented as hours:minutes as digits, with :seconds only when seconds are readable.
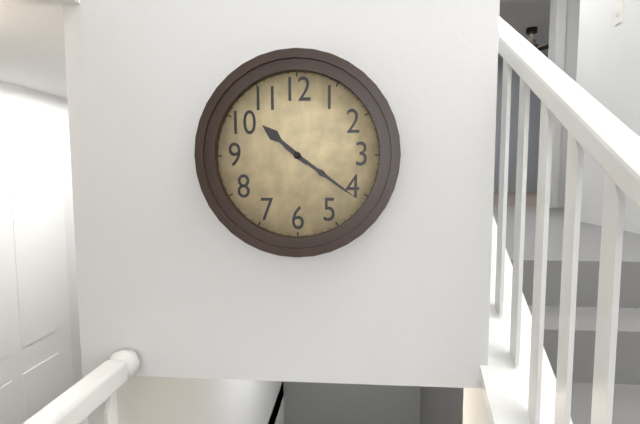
10:21
